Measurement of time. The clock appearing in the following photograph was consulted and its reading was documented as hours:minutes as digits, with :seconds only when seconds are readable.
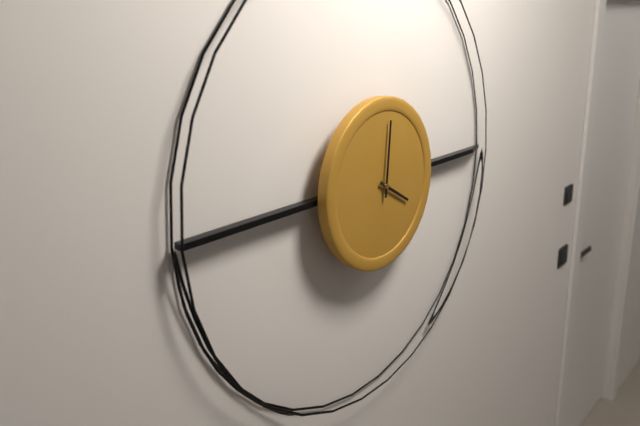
4:01
